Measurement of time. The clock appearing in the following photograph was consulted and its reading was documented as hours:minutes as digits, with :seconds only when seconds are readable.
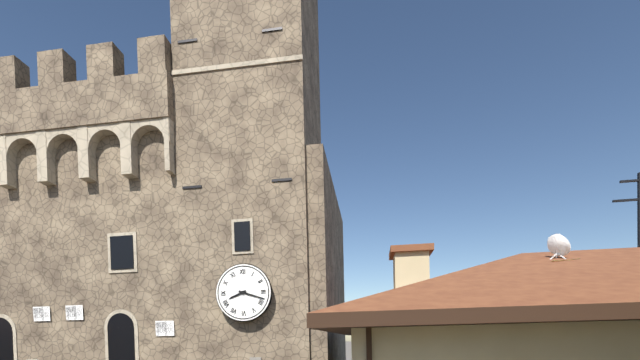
8:18
